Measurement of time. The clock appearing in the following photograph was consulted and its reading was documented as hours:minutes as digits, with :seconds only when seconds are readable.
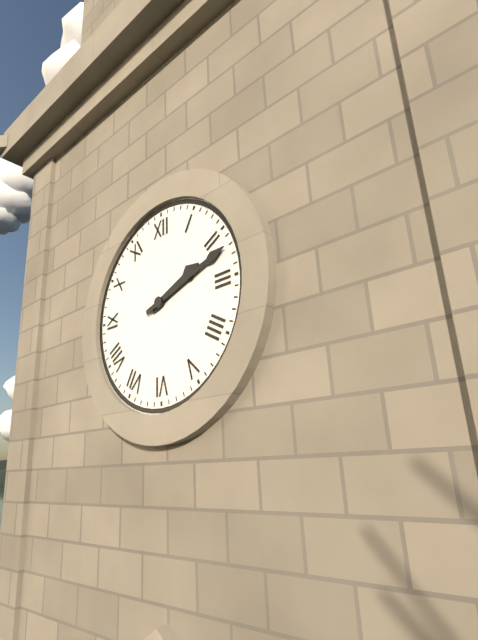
2:12
